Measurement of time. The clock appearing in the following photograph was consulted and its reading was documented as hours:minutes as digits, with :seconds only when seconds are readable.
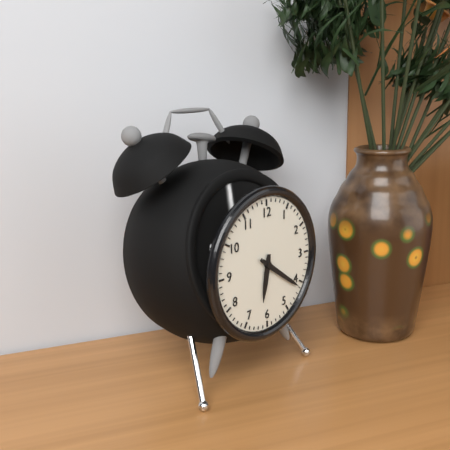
6:21
